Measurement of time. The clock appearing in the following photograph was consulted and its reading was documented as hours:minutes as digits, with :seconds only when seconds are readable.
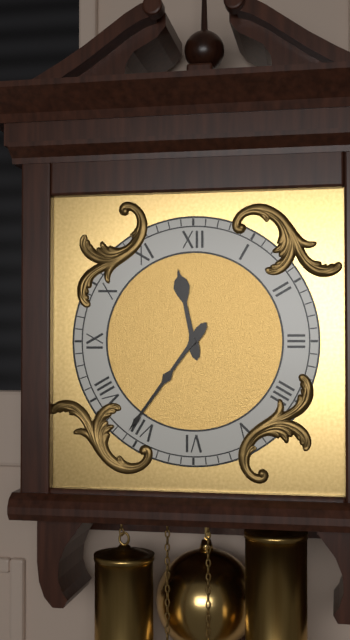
11:36
